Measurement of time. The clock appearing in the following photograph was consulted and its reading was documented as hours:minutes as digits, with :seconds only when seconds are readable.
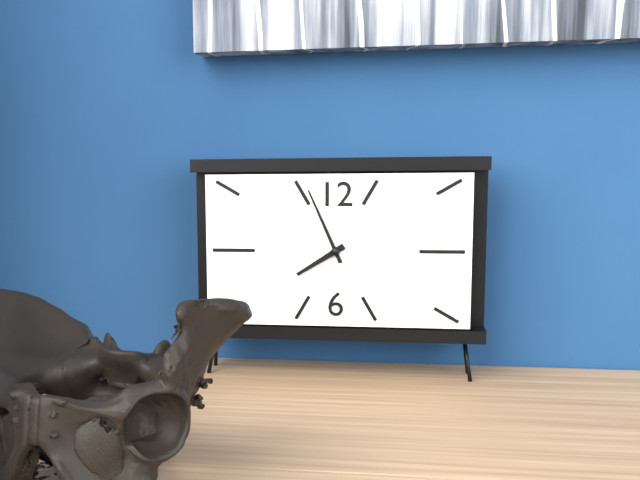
7:56
